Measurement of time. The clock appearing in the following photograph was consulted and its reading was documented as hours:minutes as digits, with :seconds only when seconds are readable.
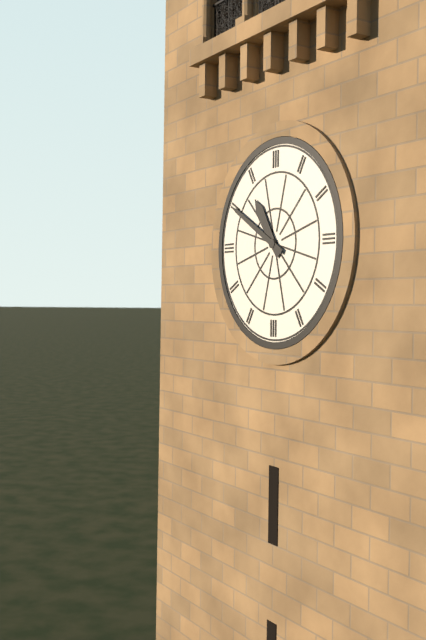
10:50
